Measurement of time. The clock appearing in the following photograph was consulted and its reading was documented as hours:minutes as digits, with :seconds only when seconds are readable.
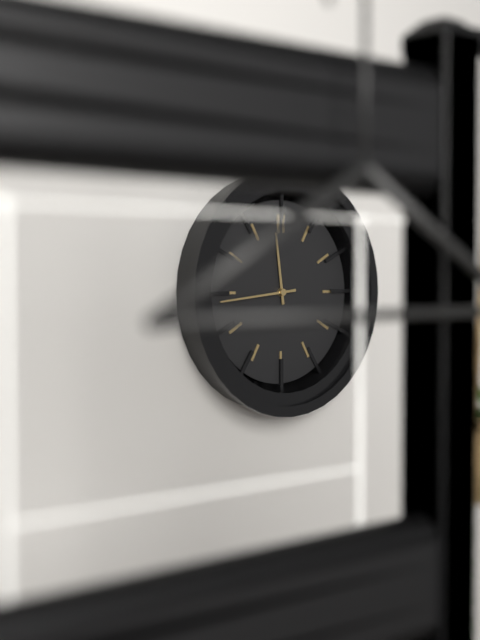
11:44
